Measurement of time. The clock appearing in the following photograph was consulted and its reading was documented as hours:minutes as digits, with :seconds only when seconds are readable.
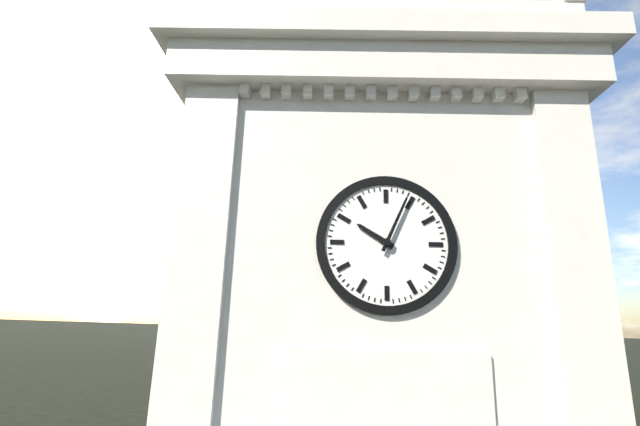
10:04
